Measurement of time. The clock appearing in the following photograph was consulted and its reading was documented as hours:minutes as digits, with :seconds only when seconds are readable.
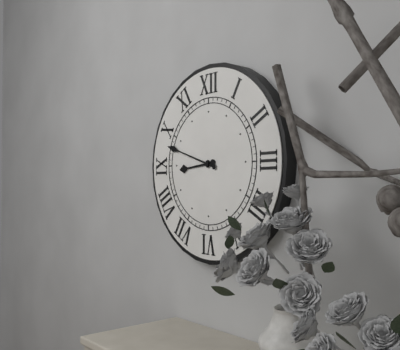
8:48
